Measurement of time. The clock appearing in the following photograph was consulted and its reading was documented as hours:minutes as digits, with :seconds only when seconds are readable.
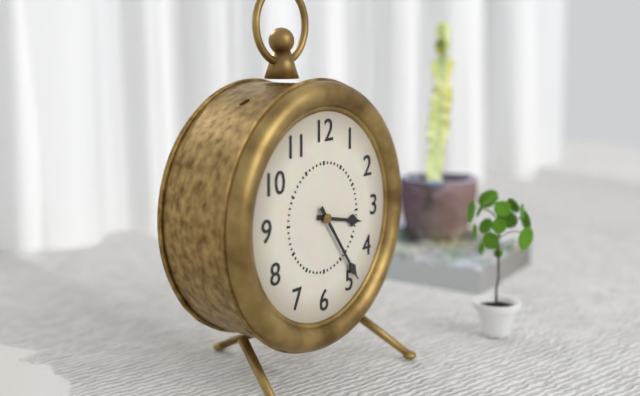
3:24
